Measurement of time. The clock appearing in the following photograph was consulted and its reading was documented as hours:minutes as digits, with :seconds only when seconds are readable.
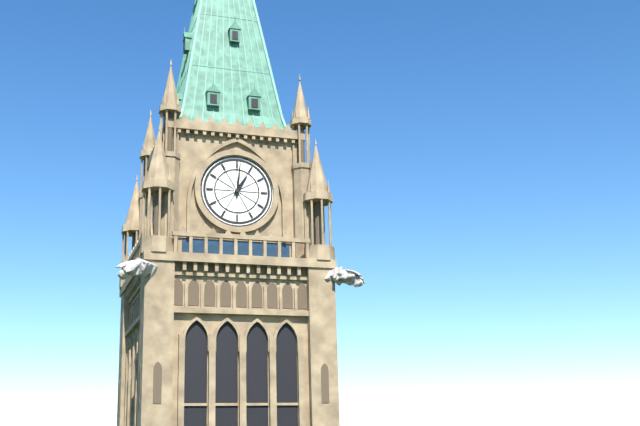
1:01
